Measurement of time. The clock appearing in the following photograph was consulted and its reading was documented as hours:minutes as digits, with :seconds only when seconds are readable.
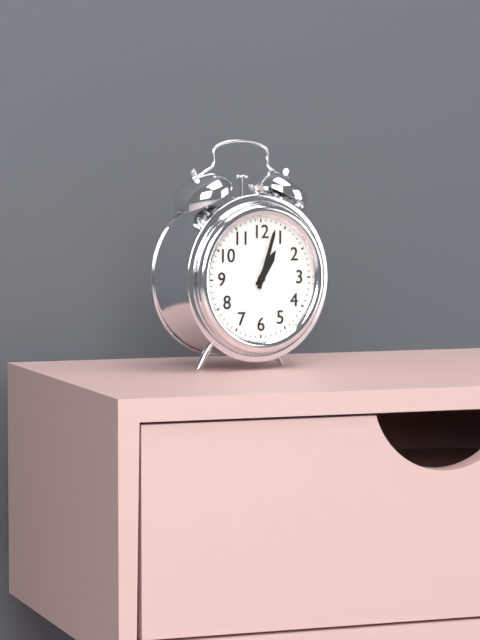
1:03
